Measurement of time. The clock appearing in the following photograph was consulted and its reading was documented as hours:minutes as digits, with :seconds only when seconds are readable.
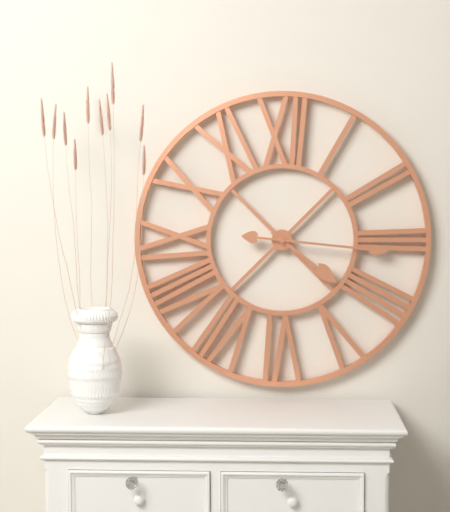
4:16
